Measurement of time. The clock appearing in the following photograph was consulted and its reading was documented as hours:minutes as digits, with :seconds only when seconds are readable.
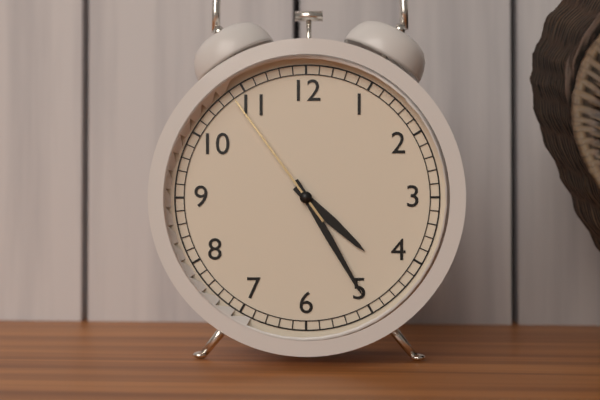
4:25:54
